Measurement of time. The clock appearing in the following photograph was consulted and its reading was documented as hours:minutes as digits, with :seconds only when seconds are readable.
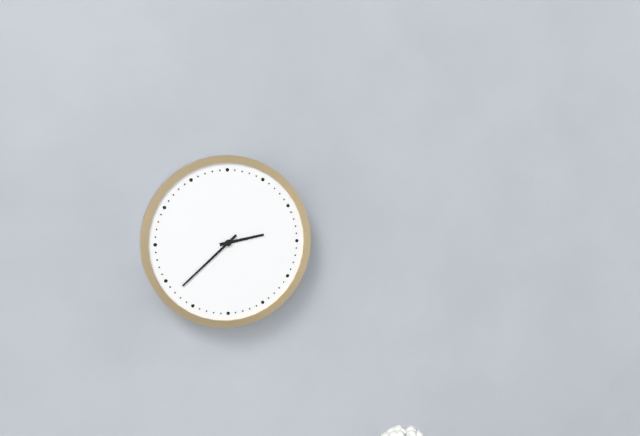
2:38
